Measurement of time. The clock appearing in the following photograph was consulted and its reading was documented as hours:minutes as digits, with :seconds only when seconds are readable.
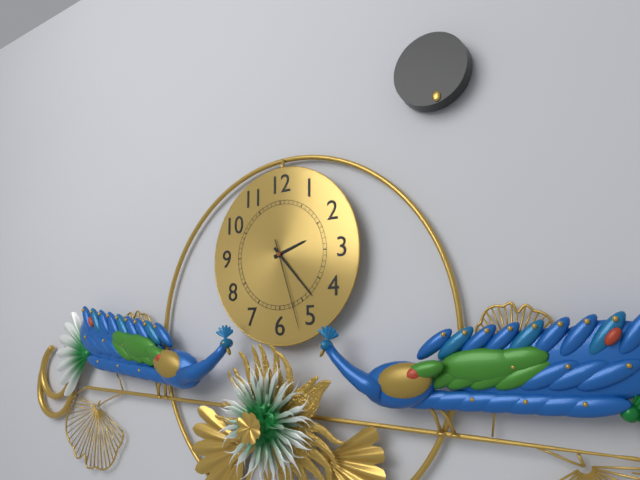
2:23:27
